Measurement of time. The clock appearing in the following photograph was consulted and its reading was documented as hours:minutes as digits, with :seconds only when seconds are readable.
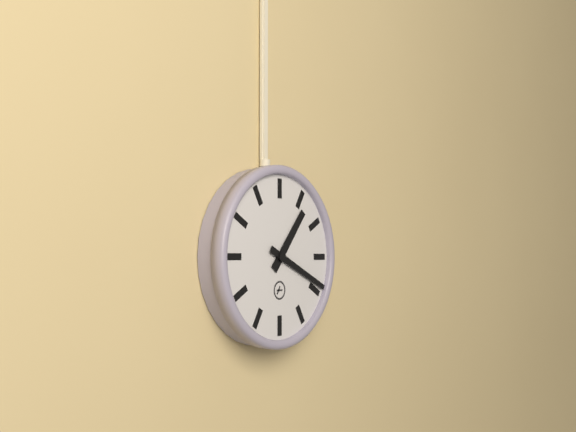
1:19
